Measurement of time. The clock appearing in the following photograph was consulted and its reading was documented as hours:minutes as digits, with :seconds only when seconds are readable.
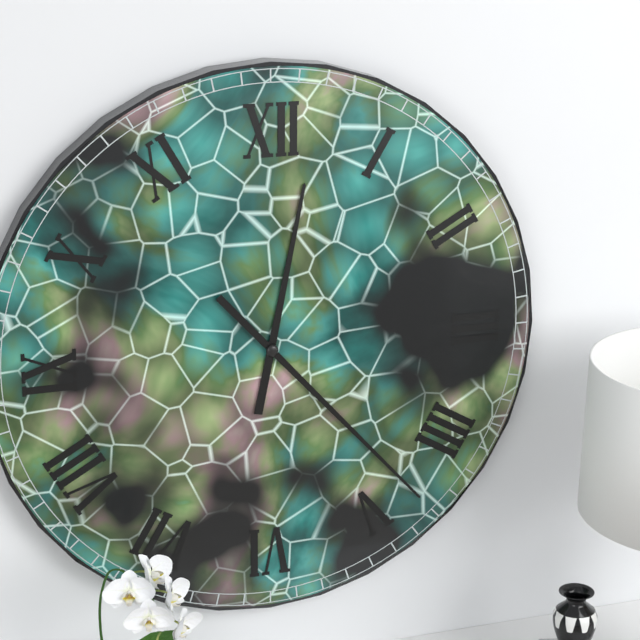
12:23
